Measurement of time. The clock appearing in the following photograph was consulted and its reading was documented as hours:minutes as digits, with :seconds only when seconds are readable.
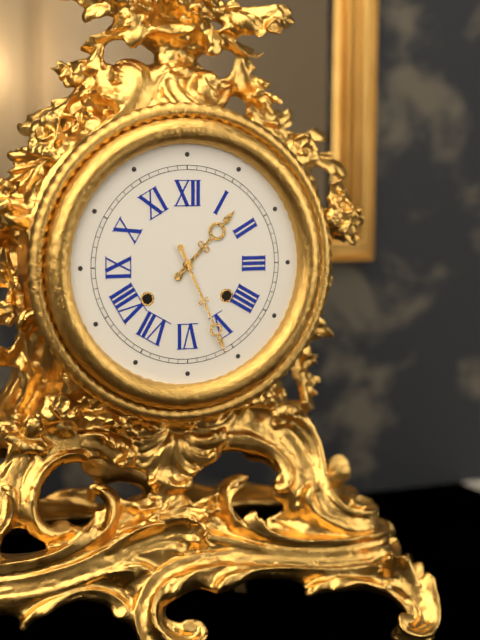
1:26
